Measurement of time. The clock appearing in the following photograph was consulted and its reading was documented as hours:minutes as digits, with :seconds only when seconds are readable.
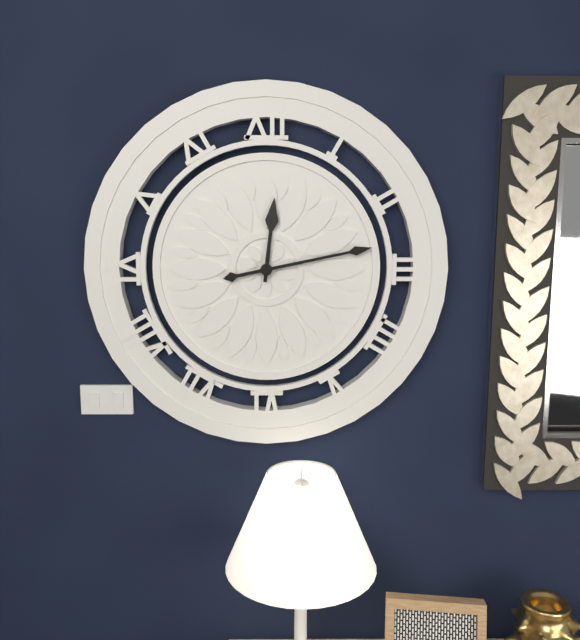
12:13
